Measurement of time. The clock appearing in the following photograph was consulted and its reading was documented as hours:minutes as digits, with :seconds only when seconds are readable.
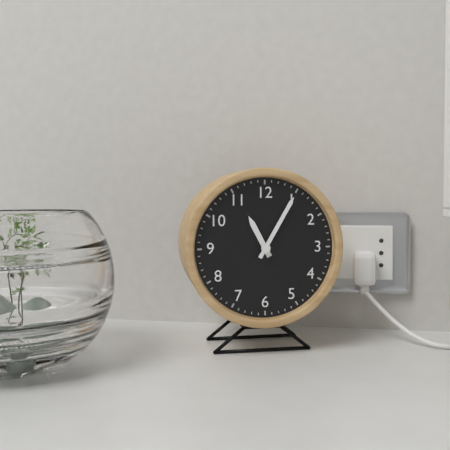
11:05
